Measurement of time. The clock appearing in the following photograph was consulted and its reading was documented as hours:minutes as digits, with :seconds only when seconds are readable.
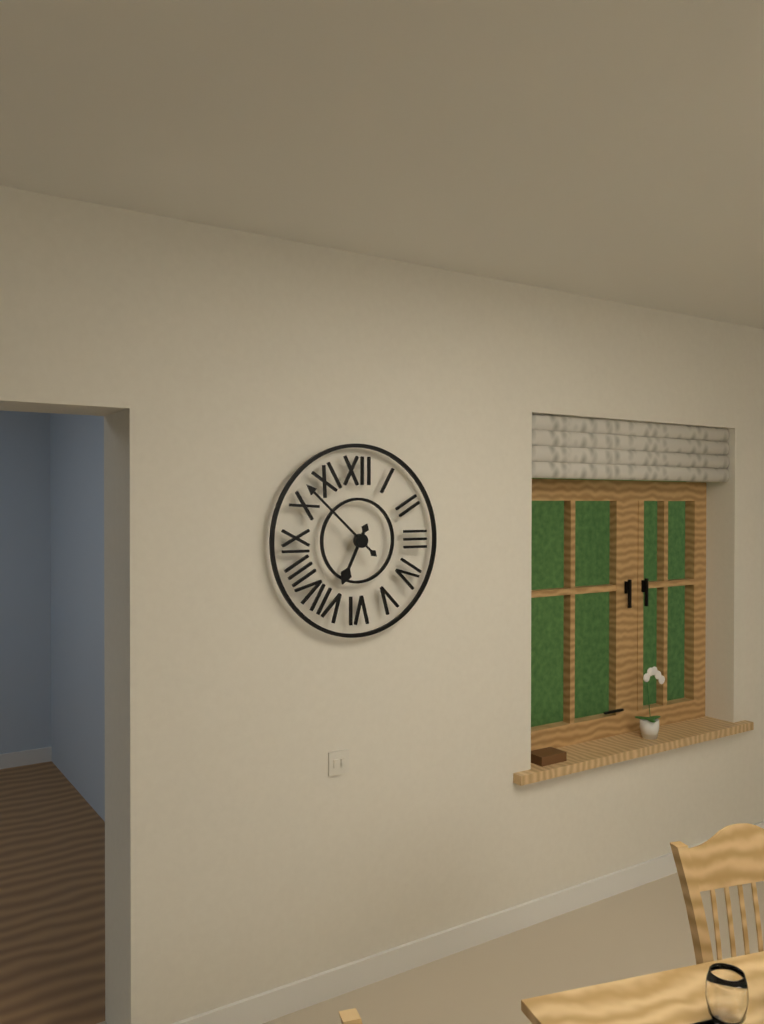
6:52
